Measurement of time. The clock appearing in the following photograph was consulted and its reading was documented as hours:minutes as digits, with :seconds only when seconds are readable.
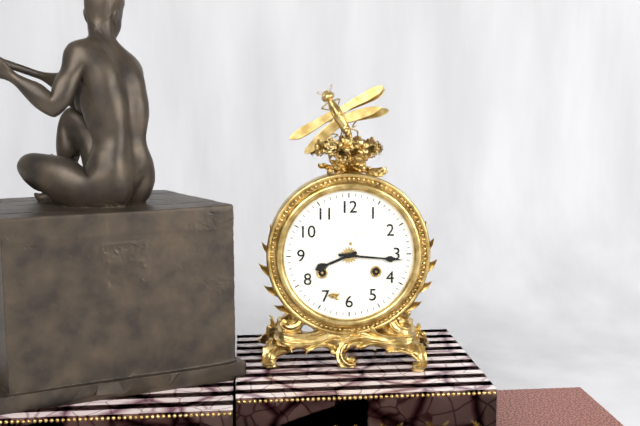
8:16
